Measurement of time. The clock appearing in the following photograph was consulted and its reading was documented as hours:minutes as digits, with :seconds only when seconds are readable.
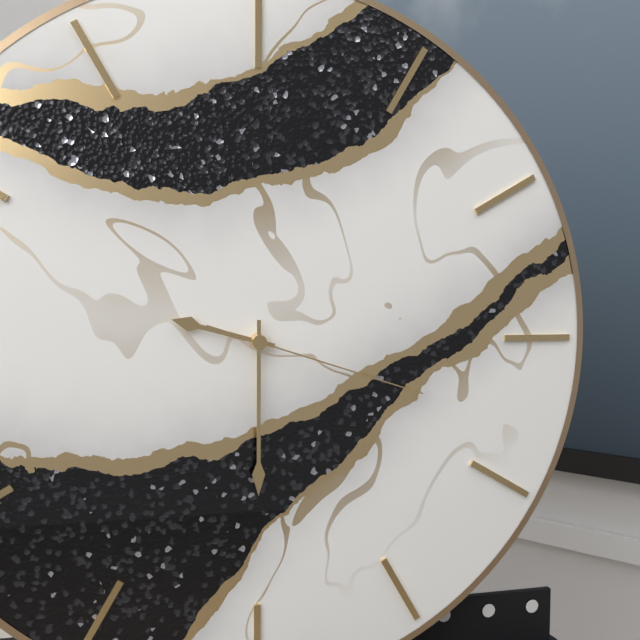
9:30:18
